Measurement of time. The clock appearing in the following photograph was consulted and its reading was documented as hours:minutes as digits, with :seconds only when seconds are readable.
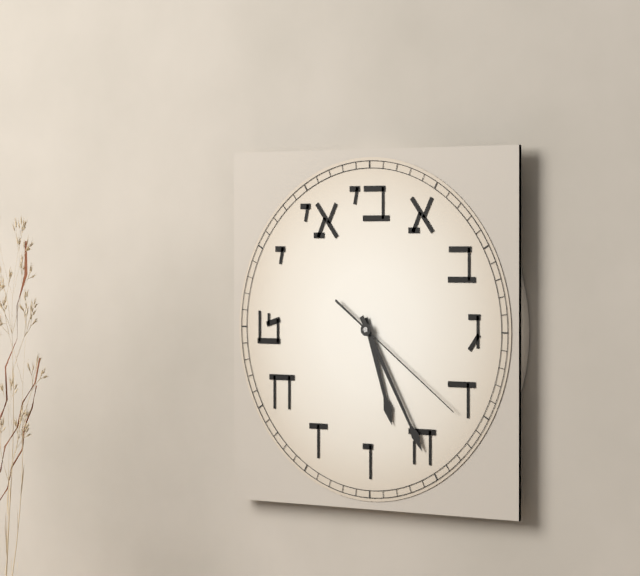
5:25:21
